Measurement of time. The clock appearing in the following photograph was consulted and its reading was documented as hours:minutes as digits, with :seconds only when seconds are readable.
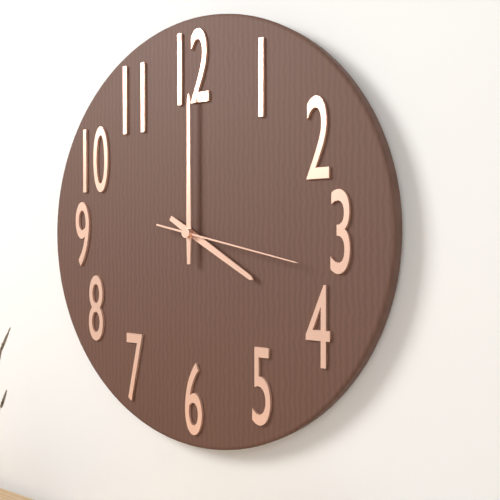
4:00:17
